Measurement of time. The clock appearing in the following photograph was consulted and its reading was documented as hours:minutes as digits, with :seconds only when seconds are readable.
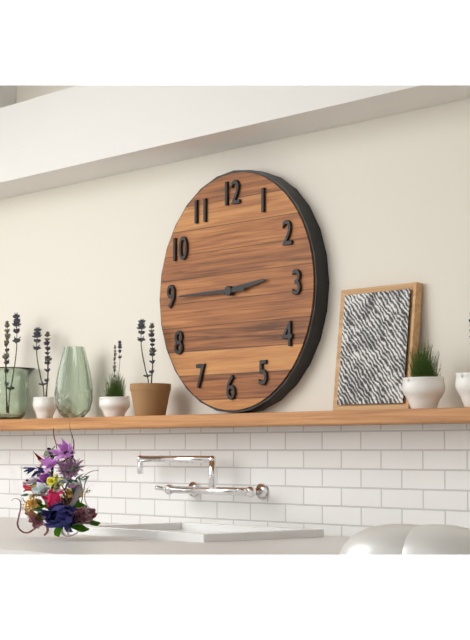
2:45
